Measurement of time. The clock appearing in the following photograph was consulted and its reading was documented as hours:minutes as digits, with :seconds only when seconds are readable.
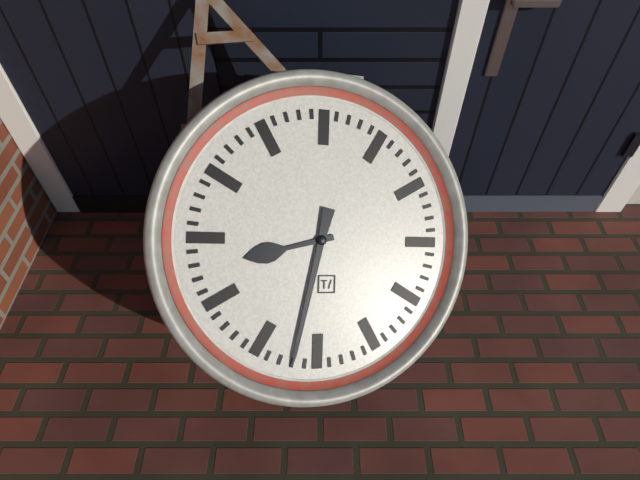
8:32
